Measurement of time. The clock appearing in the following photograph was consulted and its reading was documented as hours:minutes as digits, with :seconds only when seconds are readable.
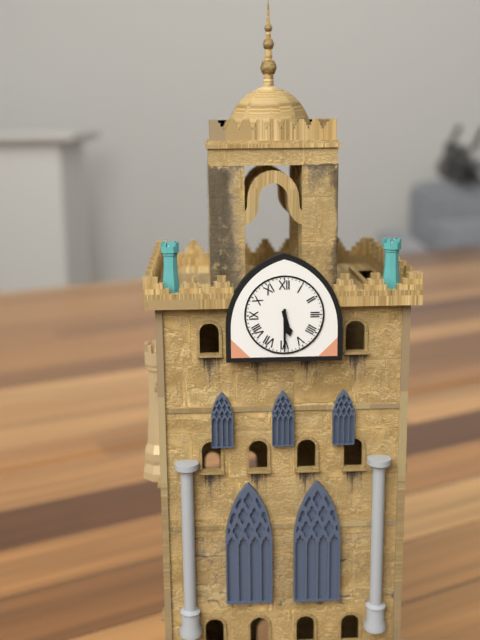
5:30
